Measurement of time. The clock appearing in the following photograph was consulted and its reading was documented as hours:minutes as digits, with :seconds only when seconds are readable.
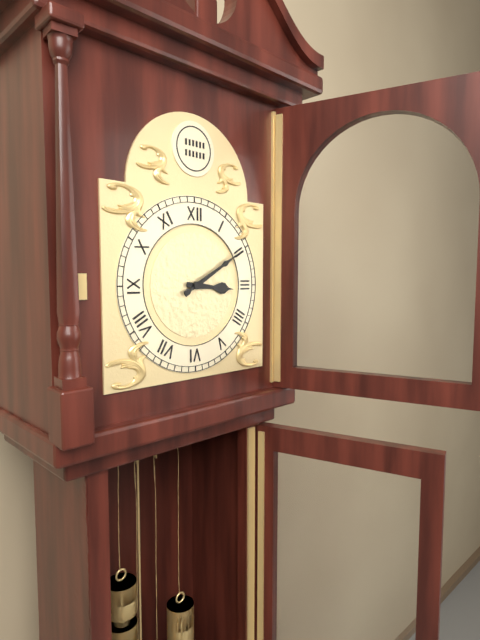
3:10
